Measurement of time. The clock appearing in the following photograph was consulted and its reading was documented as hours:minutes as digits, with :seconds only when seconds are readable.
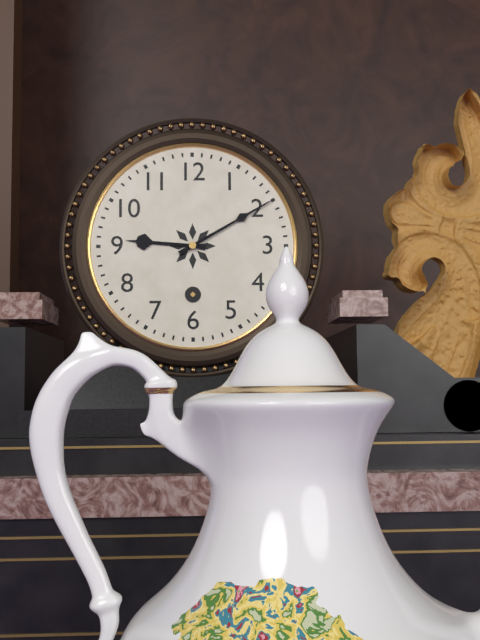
9:10
